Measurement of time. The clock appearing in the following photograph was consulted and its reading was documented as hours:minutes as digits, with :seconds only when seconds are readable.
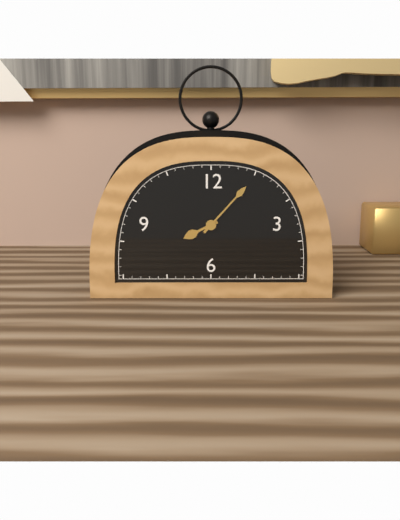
8:07
